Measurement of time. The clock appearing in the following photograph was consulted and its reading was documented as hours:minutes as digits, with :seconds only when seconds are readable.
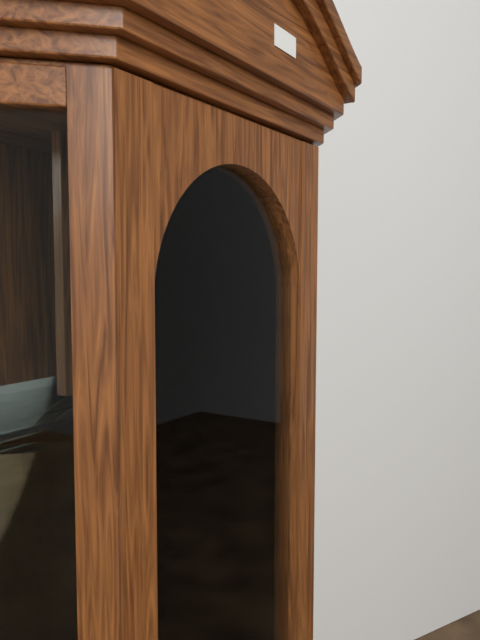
2:37
